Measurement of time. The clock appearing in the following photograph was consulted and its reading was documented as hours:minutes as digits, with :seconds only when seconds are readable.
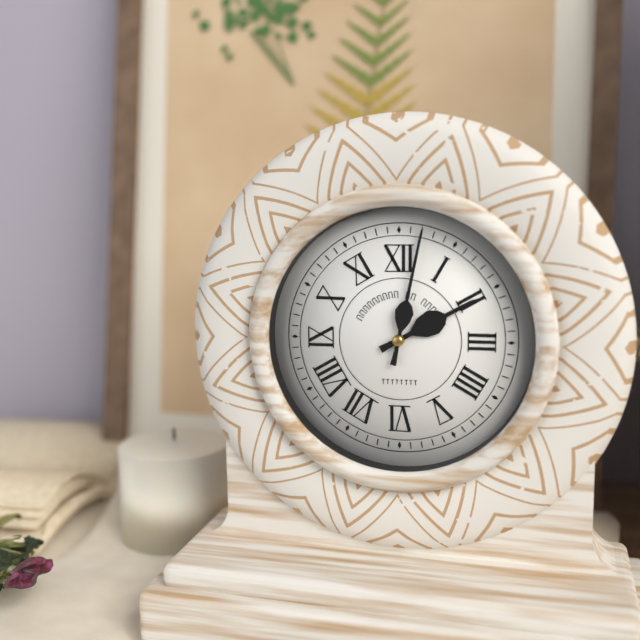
2:02
